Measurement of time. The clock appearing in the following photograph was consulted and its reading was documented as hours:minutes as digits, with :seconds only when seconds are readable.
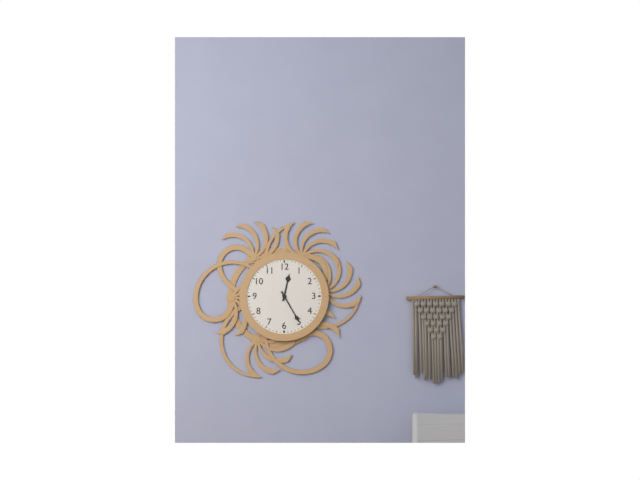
12:25
